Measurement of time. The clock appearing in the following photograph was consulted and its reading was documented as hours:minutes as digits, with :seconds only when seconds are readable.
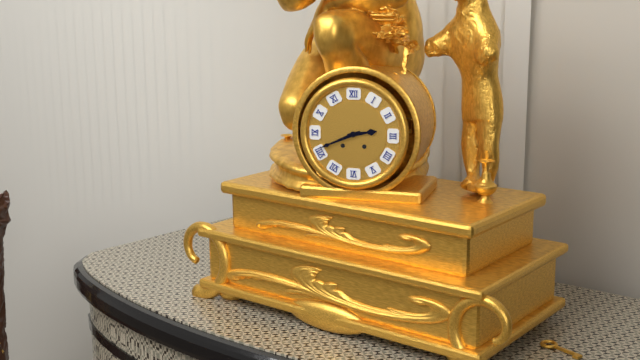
2:41
